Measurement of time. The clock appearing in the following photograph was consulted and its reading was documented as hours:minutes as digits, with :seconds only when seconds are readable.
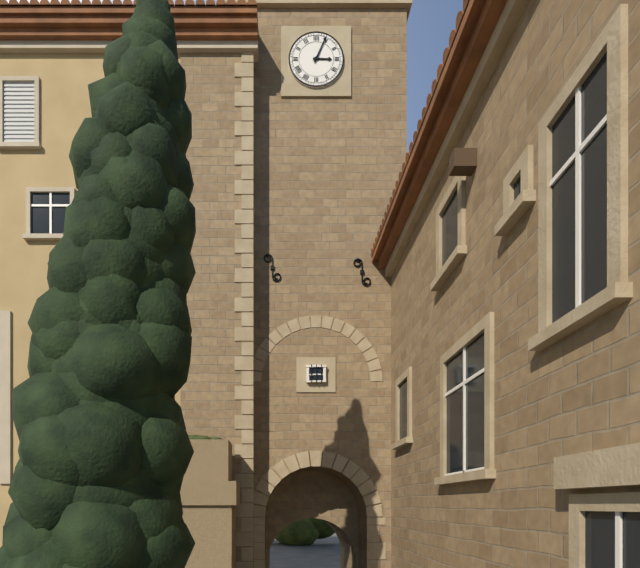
3:04
